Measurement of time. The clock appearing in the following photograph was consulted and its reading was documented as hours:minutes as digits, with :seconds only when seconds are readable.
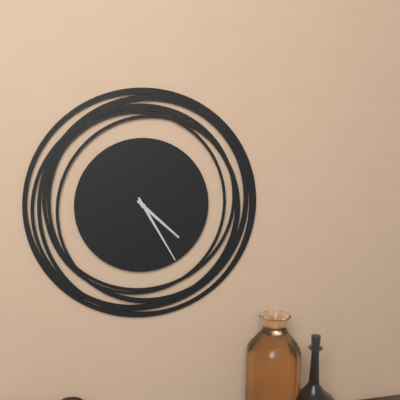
4:25
